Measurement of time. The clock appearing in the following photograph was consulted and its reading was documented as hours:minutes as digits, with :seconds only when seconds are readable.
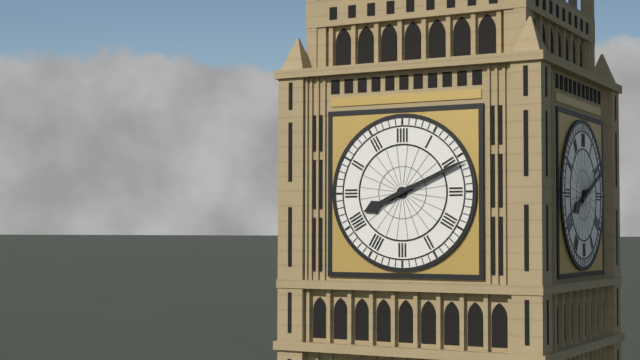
8:11
